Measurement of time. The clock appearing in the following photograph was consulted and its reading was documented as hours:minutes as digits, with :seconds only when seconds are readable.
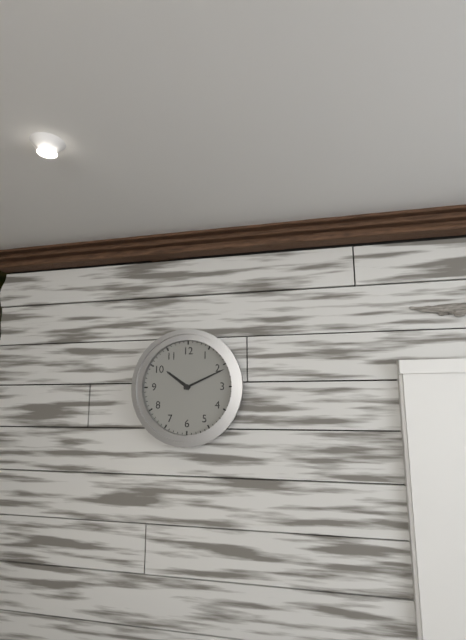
10:11
